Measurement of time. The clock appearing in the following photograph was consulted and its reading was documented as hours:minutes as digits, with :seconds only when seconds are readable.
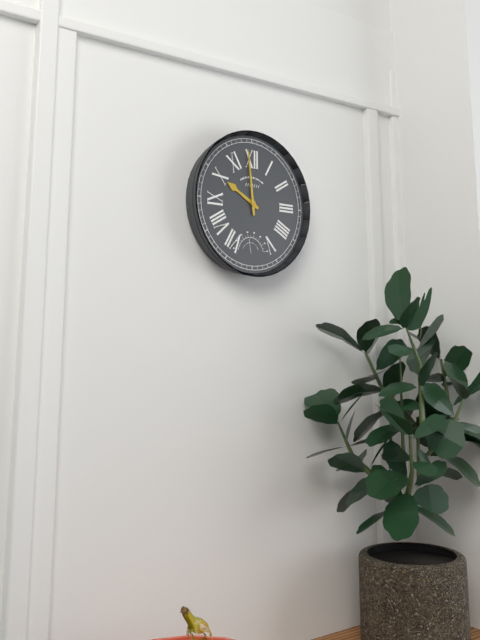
9:59
